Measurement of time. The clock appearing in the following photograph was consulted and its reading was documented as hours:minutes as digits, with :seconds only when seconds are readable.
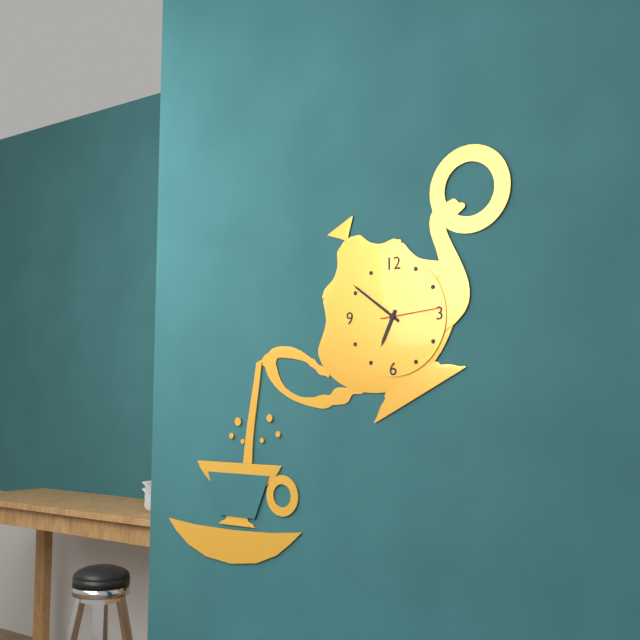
6:51:14
